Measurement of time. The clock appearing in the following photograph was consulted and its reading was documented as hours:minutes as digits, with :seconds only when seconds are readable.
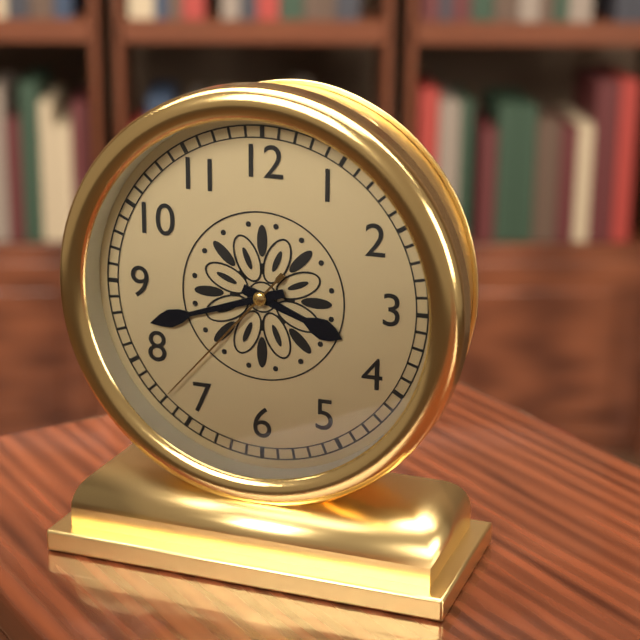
3:42:37
